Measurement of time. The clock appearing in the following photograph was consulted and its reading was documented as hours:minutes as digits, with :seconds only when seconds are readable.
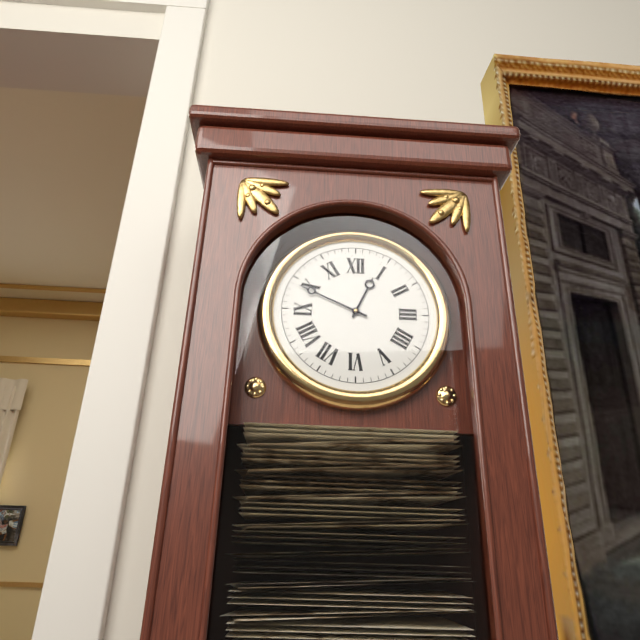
12:49
